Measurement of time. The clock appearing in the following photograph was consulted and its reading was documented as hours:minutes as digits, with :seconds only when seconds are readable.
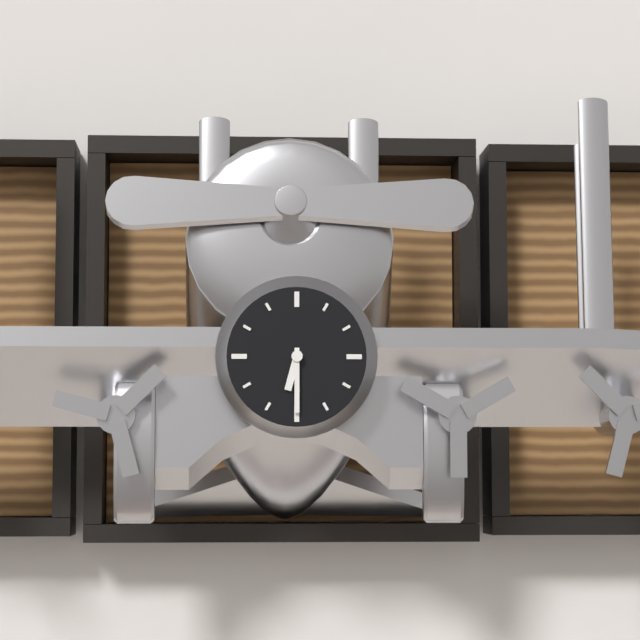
6:30
